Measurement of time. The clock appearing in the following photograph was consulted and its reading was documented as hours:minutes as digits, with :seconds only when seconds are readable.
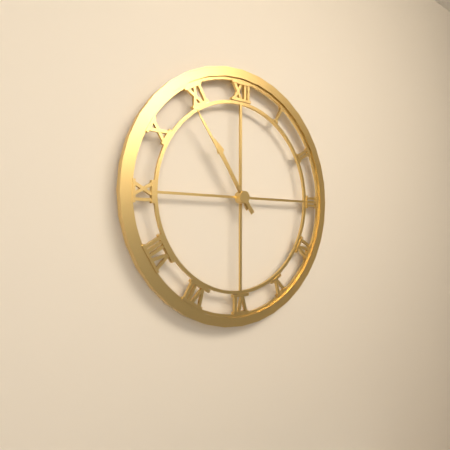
10:54
